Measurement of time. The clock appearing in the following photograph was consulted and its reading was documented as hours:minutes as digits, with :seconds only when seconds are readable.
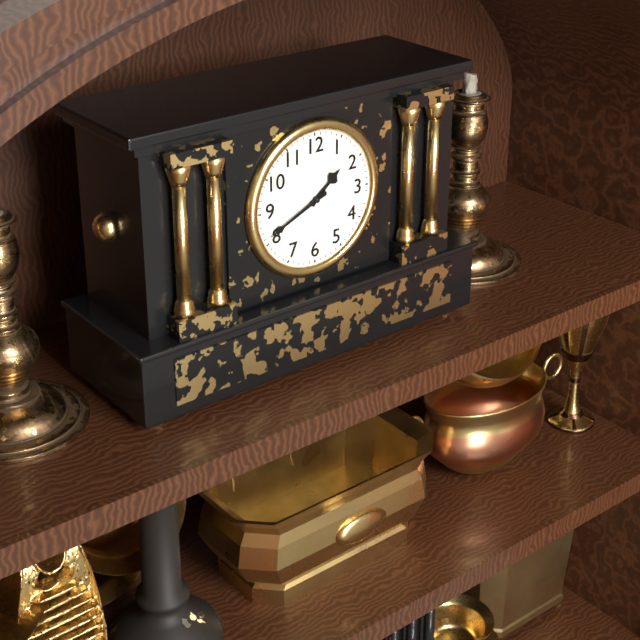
1:41
